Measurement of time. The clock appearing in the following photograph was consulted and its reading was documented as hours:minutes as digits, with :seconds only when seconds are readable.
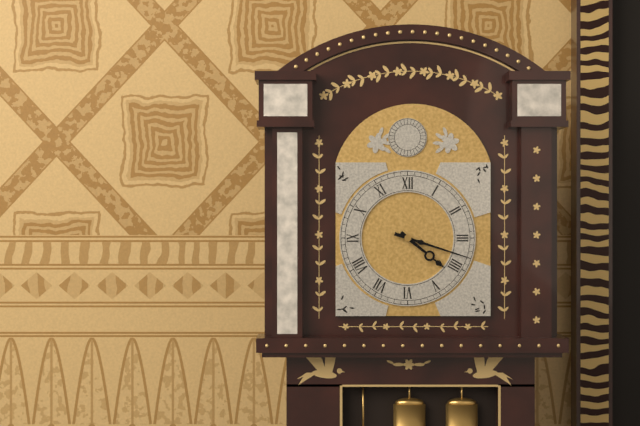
4:18
